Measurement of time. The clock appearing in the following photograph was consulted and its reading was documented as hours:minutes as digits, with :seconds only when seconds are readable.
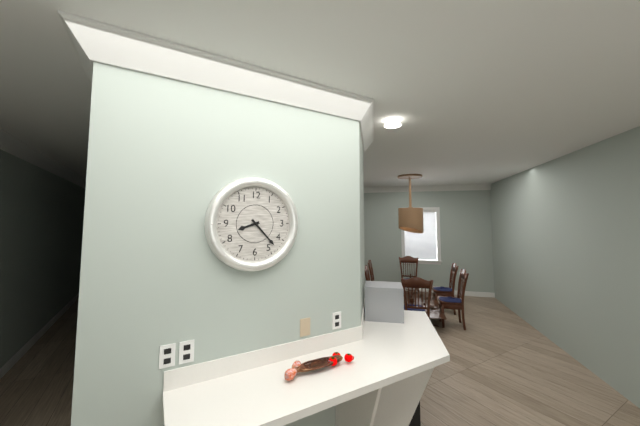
8:23
